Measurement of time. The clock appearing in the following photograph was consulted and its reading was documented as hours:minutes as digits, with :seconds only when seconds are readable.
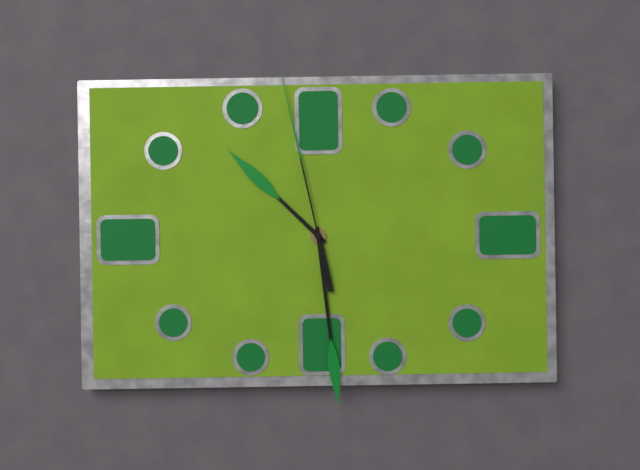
10:29:58
